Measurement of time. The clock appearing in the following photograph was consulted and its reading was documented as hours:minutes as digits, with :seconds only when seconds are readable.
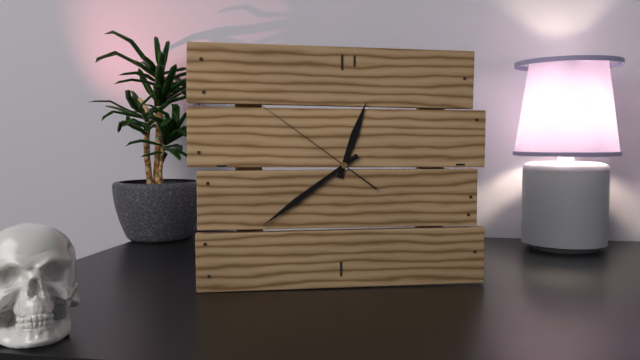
12:39:51
